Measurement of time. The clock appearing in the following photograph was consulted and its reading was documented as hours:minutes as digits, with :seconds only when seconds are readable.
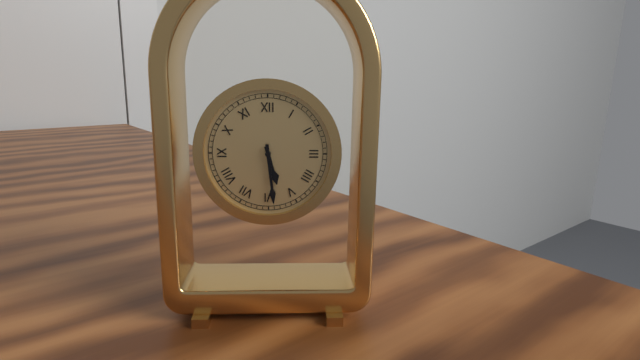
5:29
